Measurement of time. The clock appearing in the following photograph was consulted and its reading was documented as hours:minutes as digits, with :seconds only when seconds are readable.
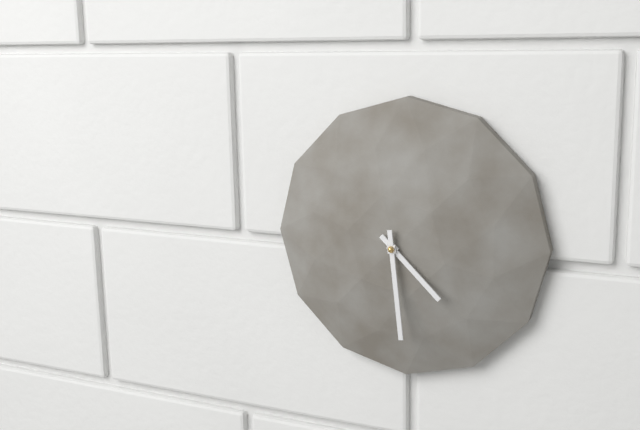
4:29
